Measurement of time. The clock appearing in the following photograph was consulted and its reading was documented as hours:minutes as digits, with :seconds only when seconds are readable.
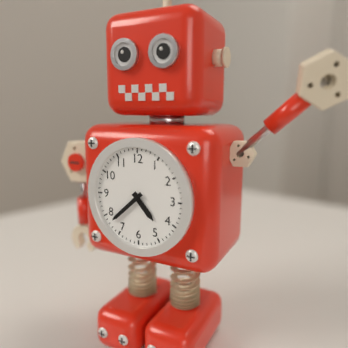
4:38
